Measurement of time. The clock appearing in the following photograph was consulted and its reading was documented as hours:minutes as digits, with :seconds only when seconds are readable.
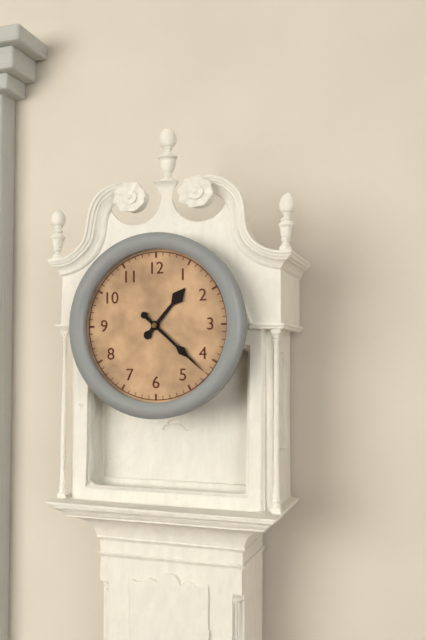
1:22
